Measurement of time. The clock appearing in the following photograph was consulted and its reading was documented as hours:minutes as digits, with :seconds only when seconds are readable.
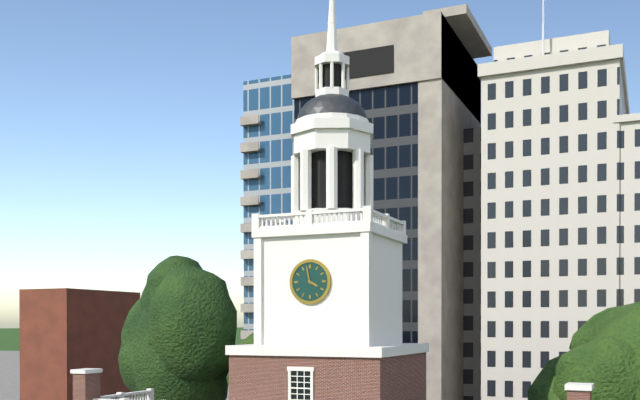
3:58
